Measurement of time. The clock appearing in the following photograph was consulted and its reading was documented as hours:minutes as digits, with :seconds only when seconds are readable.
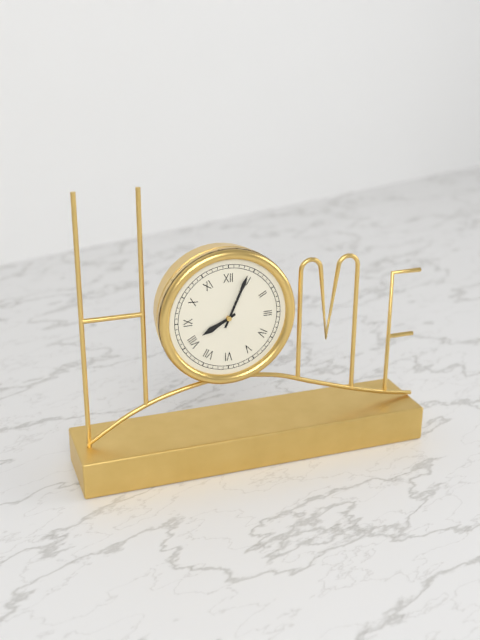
8:04
